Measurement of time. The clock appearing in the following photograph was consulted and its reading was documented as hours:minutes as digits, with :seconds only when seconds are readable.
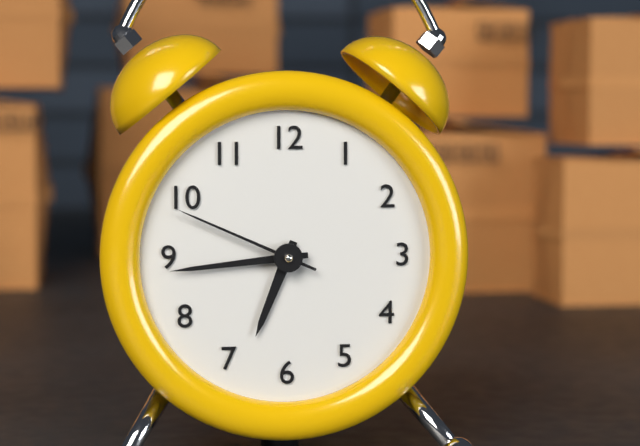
6:44:49
